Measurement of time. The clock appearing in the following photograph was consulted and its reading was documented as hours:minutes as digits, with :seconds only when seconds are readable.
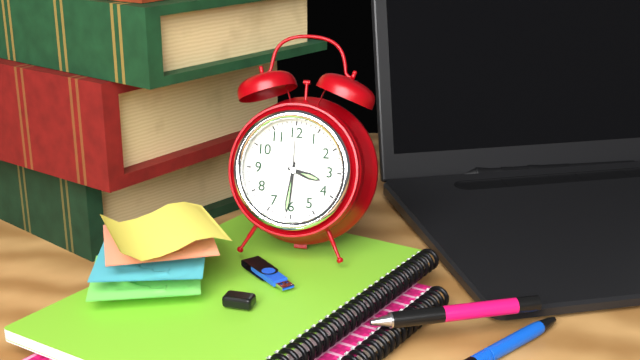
3:31:00
